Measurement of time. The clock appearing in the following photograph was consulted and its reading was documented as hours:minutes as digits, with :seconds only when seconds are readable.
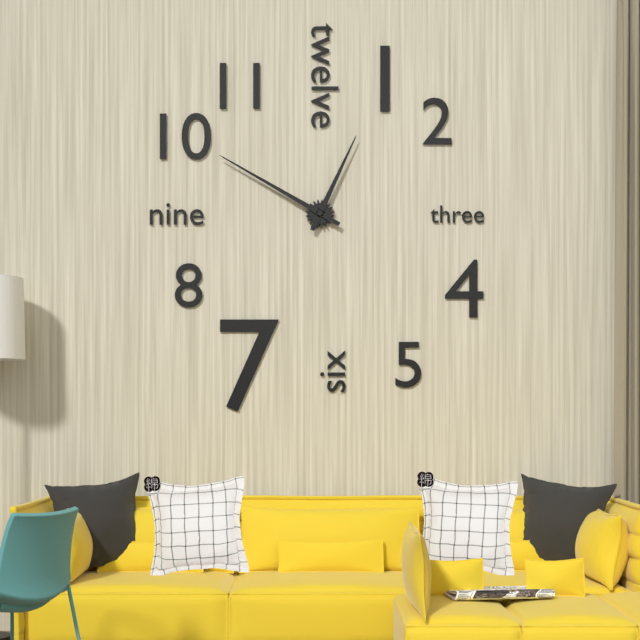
12:50
